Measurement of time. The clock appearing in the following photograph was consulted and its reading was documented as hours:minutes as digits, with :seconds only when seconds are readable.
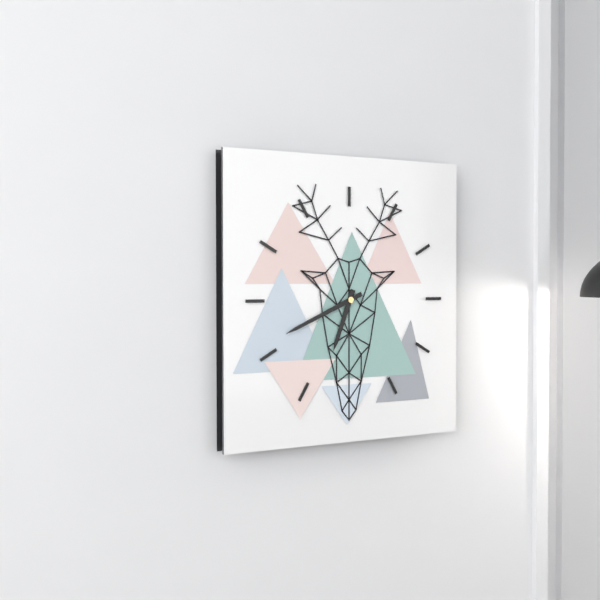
6:41
